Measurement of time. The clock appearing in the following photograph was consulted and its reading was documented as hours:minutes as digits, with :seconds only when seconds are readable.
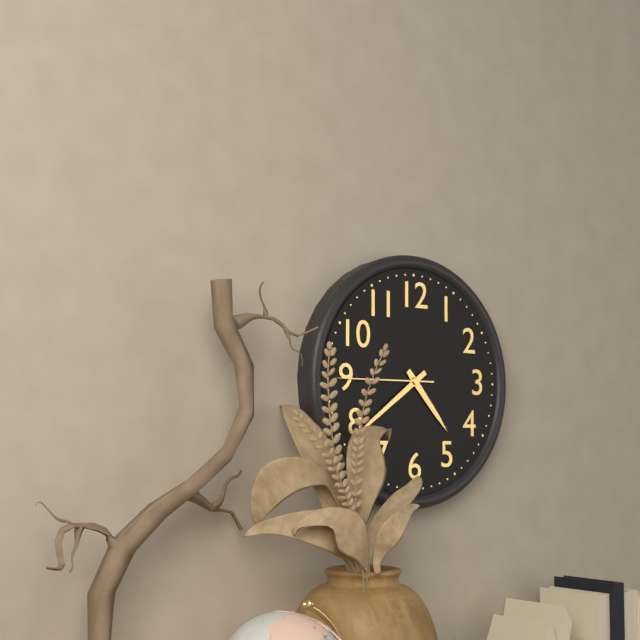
4:39:45
